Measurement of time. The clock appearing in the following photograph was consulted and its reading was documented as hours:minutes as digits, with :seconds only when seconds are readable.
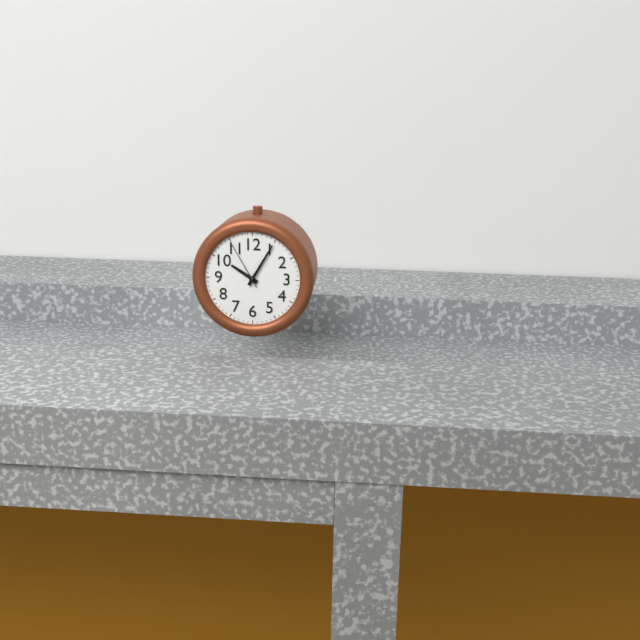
10:05:55
